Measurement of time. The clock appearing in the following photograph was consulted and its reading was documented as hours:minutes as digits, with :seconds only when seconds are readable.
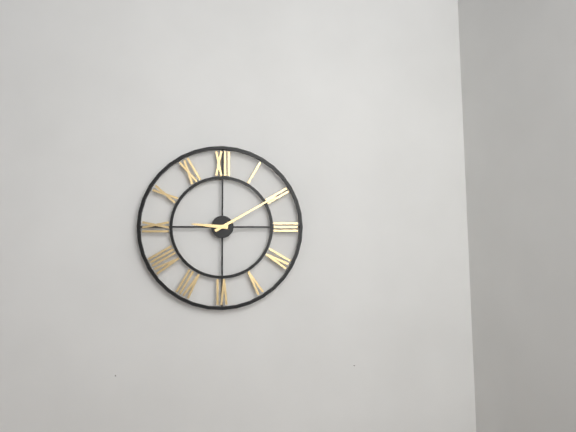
9:10
